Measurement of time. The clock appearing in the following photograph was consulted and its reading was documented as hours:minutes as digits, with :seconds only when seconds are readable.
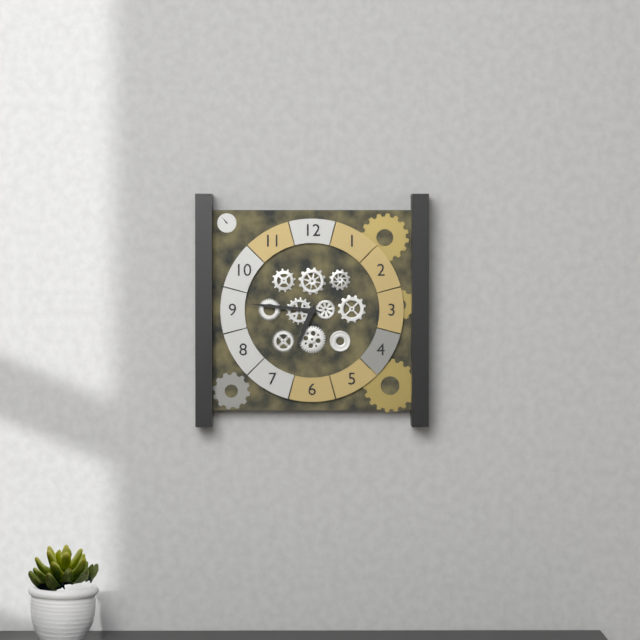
6:46
